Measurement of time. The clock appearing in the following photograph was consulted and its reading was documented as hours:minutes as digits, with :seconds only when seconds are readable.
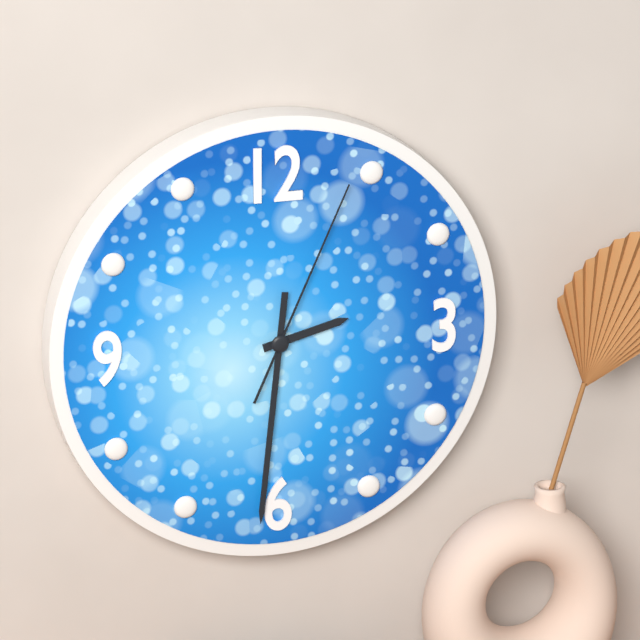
2:31:04
